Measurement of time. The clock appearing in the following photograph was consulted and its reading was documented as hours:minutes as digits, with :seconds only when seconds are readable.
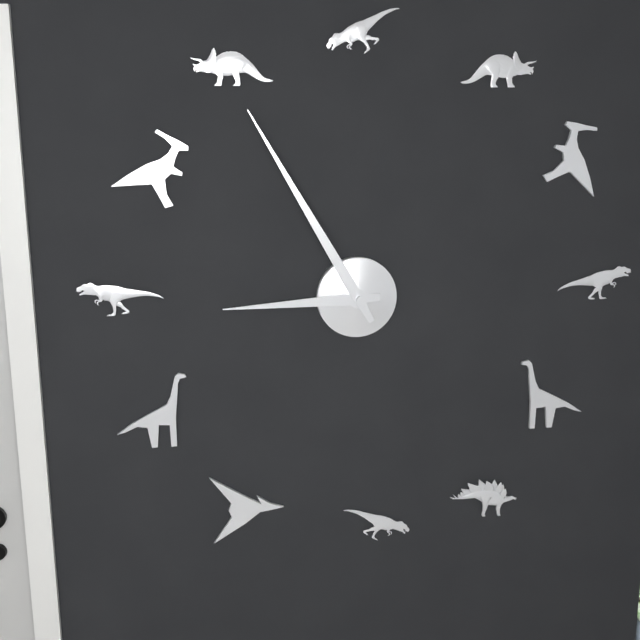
8:55
